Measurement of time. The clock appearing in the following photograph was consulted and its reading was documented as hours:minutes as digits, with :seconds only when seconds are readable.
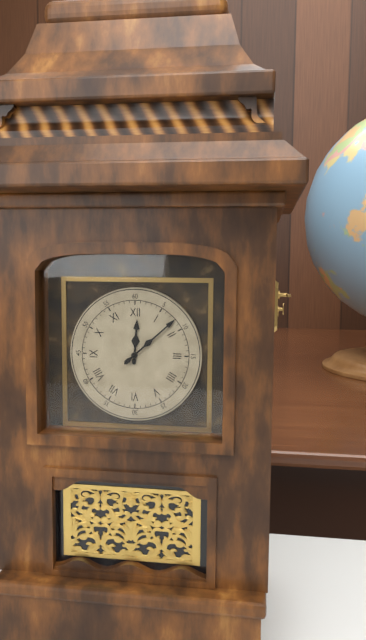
12:08
